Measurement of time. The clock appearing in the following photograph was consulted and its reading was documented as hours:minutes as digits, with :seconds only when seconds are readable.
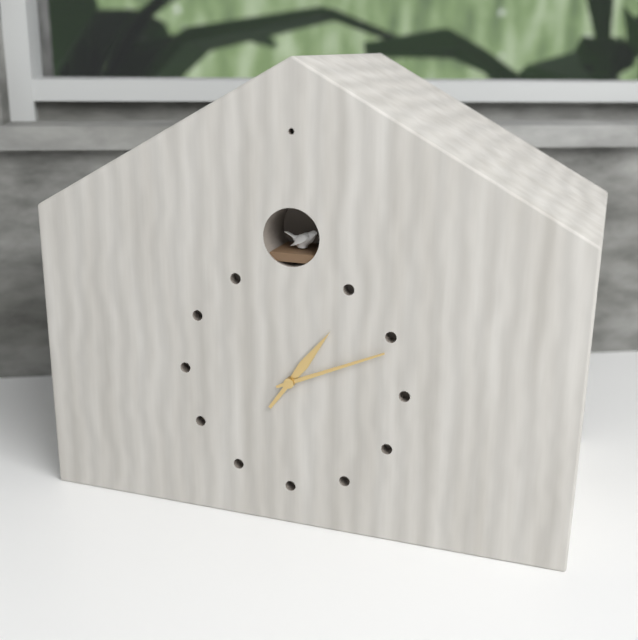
1:11
